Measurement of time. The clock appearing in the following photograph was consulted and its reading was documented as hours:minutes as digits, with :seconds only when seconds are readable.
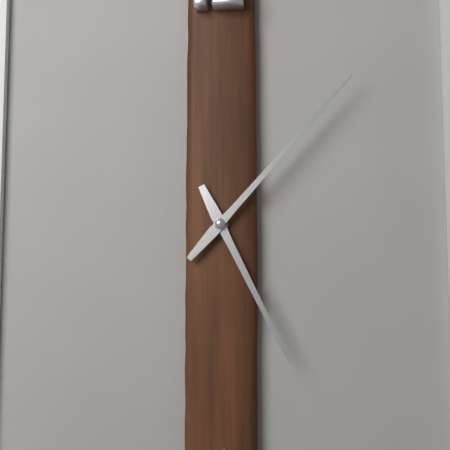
5:07
